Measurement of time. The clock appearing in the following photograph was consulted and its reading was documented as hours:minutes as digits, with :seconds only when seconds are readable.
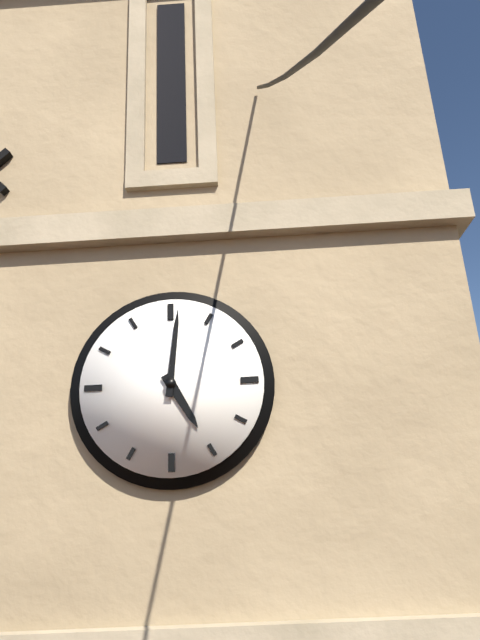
5:01
